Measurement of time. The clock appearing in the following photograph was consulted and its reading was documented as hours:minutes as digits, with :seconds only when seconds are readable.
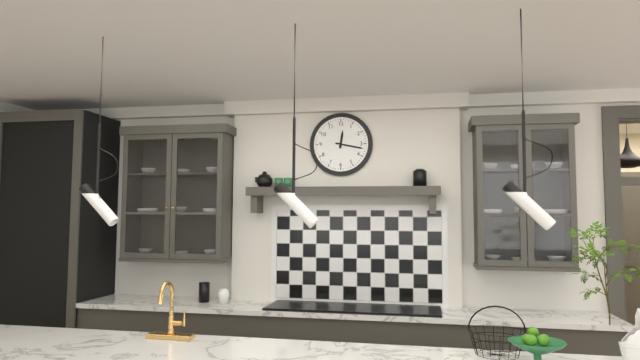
12:17
